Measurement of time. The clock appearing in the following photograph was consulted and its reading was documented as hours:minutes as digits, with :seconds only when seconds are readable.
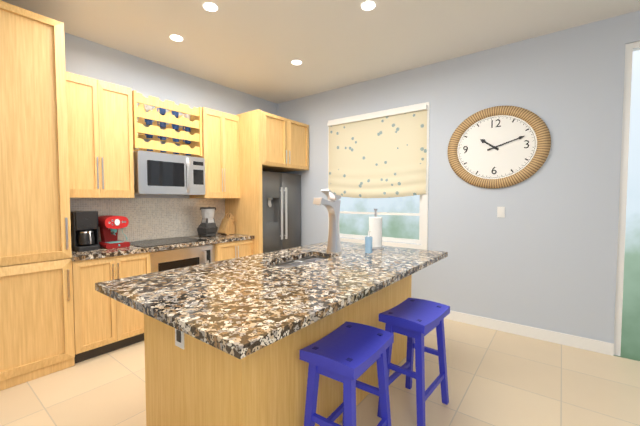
10:12
